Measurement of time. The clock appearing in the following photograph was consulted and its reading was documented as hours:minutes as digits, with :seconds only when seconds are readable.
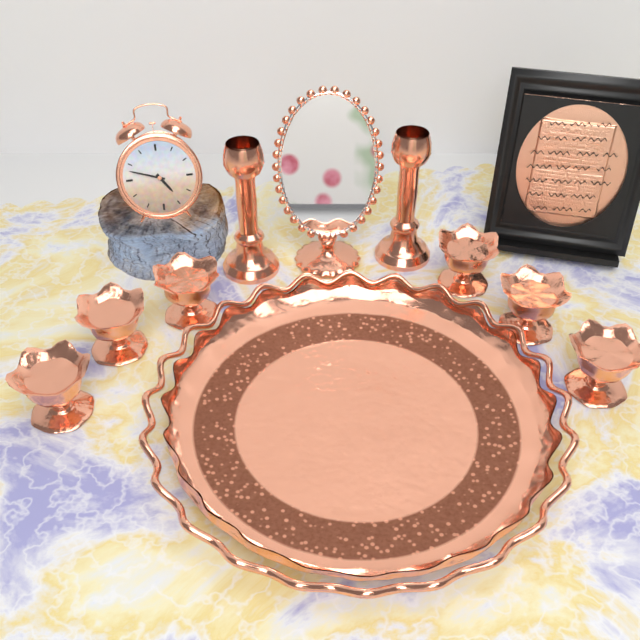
4:48
